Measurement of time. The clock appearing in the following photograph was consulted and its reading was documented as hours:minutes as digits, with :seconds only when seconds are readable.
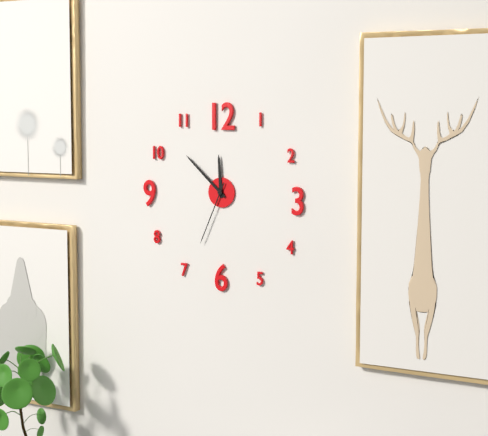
11:52:34
